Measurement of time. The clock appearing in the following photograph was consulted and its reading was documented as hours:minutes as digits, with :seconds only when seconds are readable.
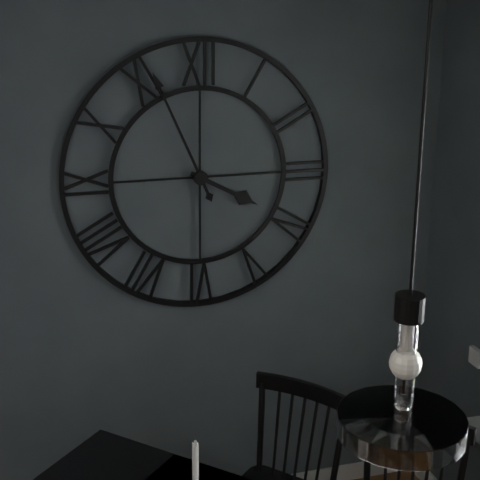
3:56
